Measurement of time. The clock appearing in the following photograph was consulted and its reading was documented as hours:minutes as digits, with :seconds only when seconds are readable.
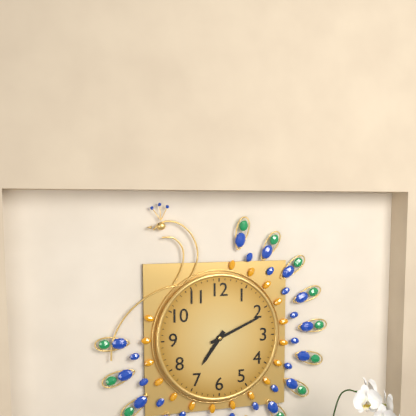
7:11
